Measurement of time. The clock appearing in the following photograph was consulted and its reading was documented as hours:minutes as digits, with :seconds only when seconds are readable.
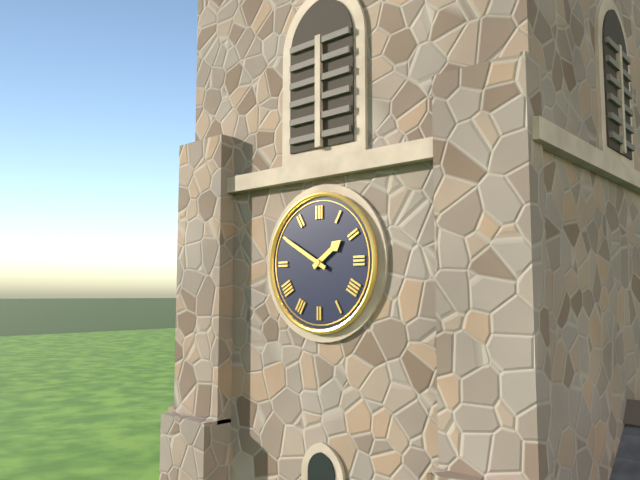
1:50
